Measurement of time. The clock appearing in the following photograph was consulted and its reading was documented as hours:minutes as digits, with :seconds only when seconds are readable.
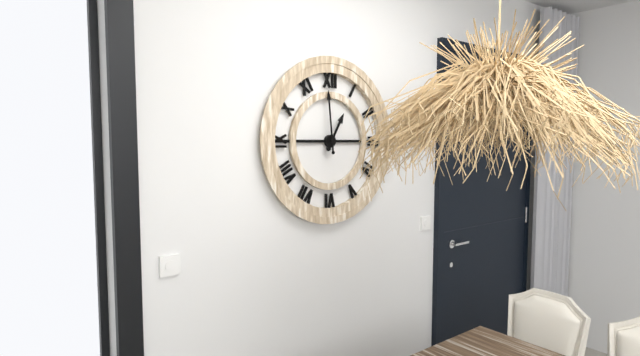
12:59
